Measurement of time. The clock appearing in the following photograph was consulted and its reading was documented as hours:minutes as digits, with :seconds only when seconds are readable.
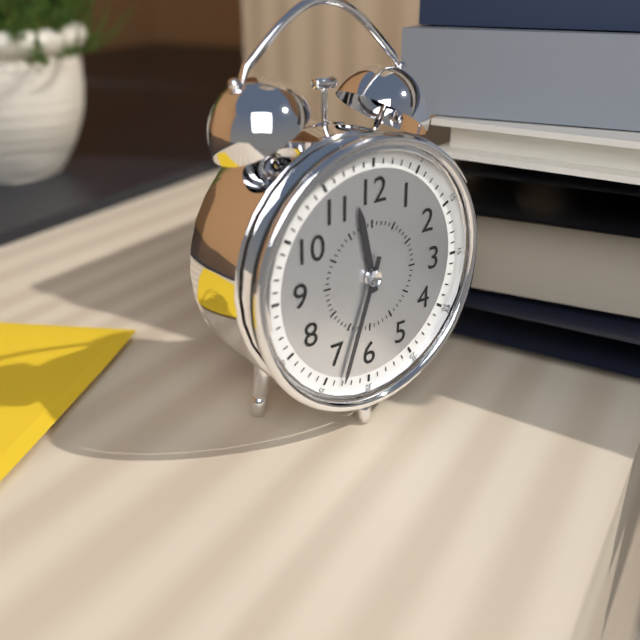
11:33
